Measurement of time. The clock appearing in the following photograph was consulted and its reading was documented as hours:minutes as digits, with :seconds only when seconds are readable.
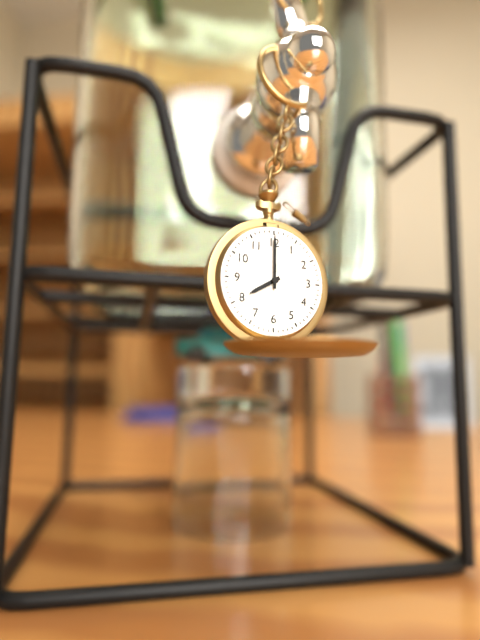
8:00
